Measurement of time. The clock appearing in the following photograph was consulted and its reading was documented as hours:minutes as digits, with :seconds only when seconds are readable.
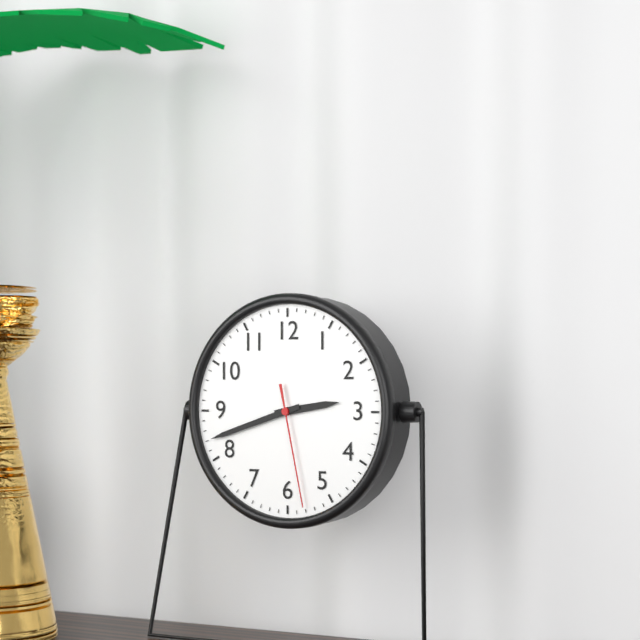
2:42:28
